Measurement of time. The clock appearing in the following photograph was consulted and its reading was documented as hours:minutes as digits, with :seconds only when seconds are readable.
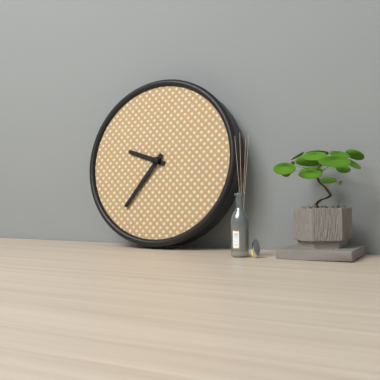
9:36
